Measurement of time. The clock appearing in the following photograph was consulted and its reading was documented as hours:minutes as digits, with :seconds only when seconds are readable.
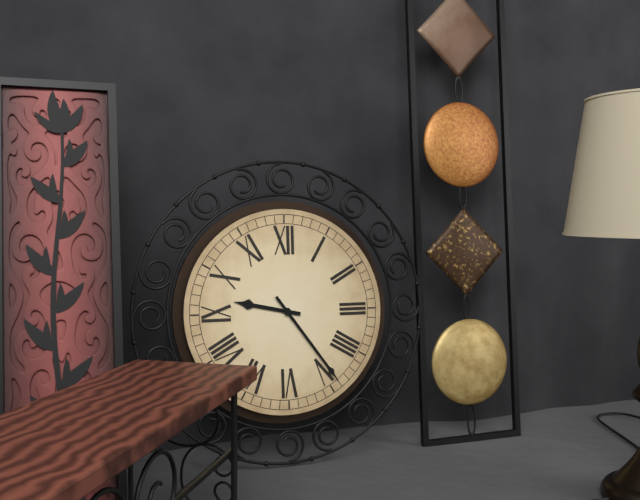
9:24
